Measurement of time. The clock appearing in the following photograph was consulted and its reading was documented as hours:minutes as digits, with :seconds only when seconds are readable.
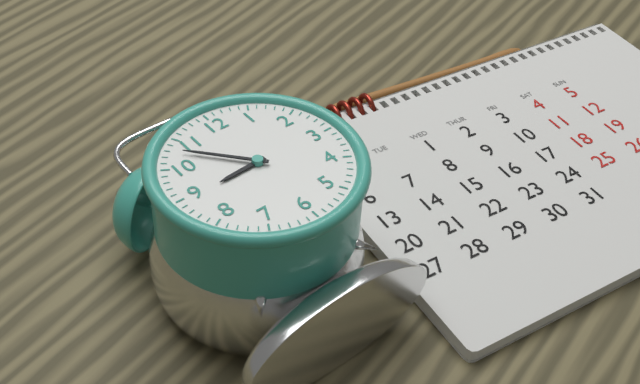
8:53
